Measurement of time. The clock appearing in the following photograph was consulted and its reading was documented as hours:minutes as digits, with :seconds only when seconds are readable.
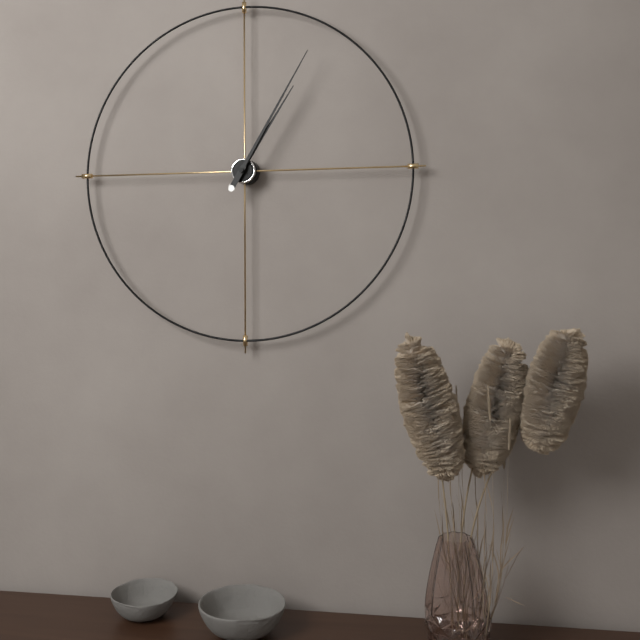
1:05
